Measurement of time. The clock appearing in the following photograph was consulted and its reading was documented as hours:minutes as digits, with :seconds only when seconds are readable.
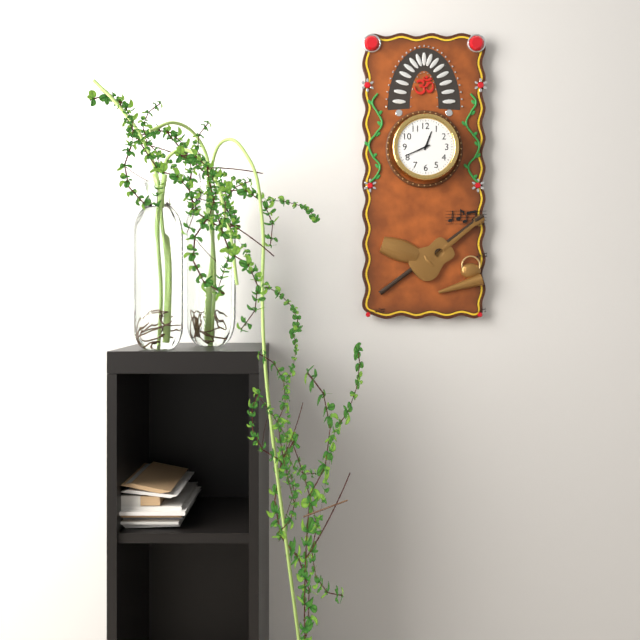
12:41
